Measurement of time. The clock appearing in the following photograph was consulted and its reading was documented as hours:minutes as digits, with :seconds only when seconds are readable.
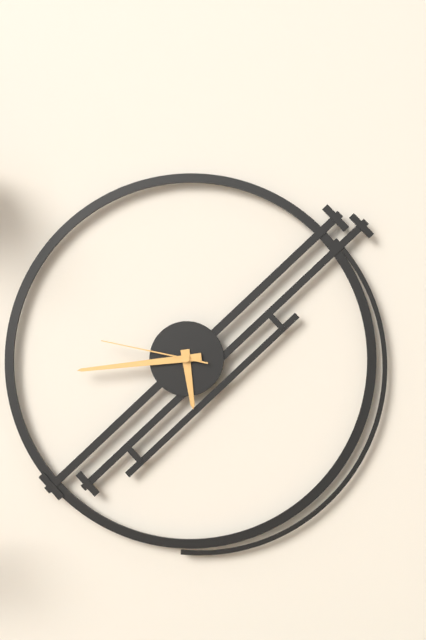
5:44:47
